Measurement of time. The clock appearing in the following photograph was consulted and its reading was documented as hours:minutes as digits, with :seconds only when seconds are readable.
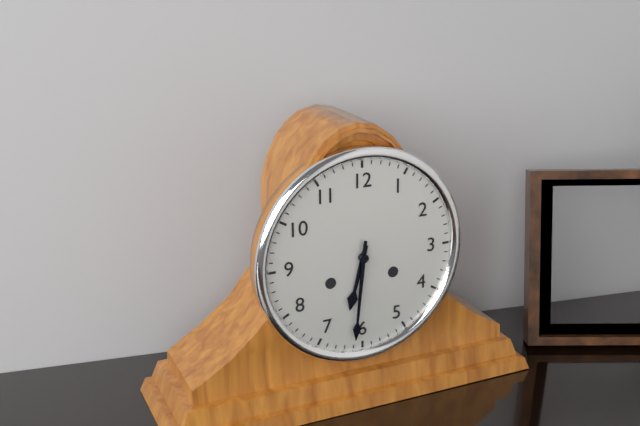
6:31
